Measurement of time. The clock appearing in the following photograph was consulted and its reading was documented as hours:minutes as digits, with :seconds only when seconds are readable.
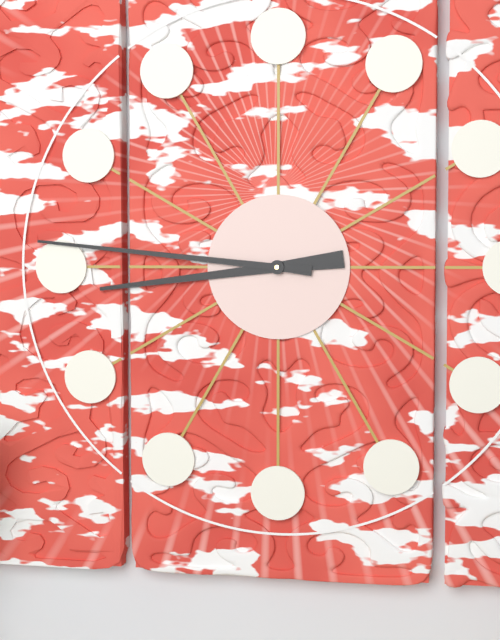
8:46
